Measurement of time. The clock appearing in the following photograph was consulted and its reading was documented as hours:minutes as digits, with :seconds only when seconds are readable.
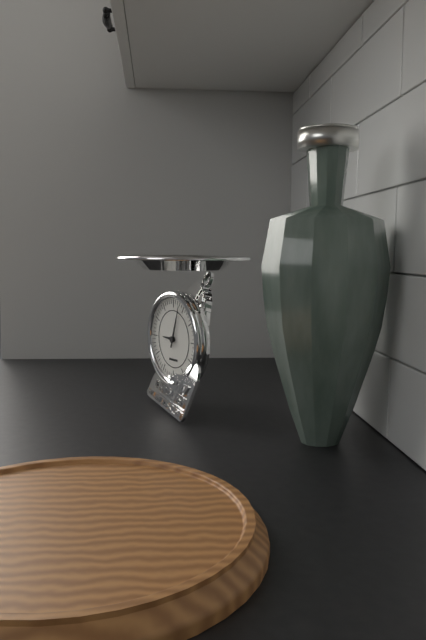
9:03
